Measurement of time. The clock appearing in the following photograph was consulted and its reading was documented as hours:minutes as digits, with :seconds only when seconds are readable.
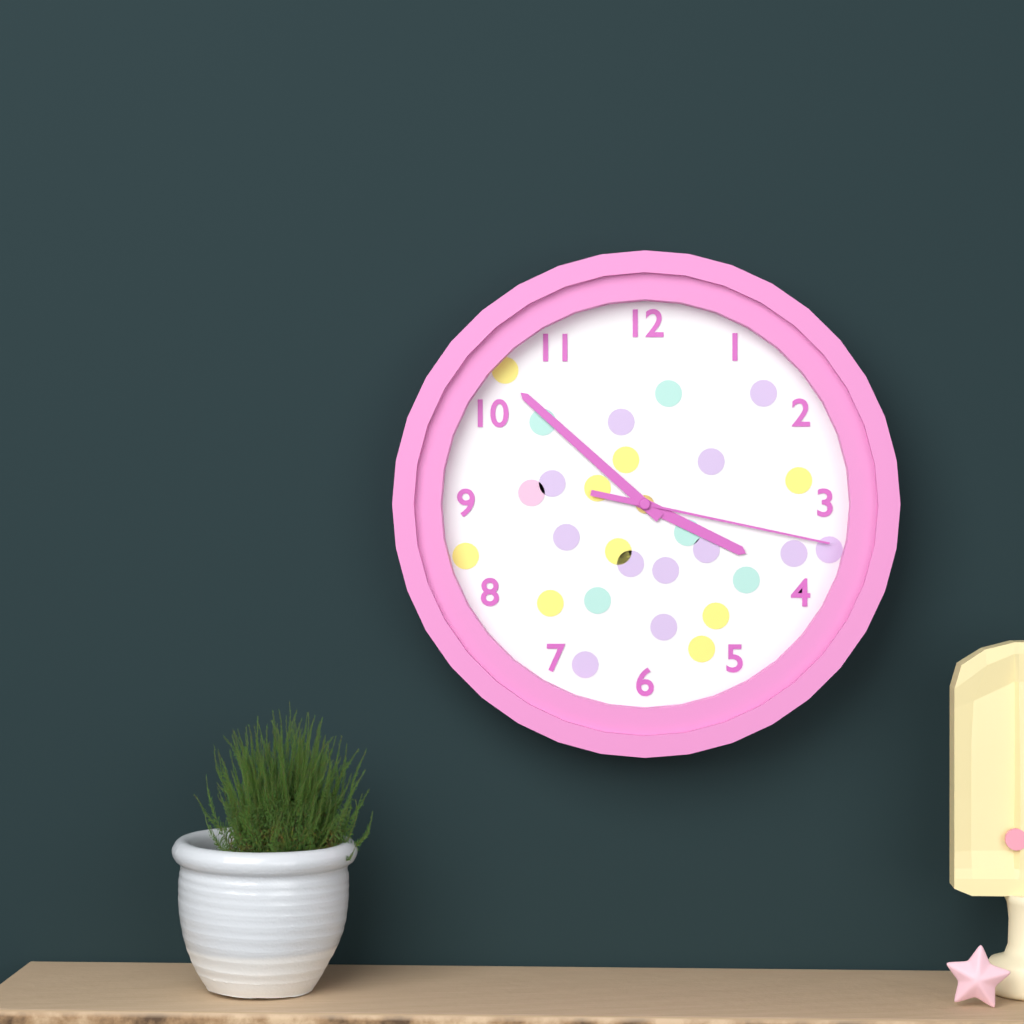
3:52:17
